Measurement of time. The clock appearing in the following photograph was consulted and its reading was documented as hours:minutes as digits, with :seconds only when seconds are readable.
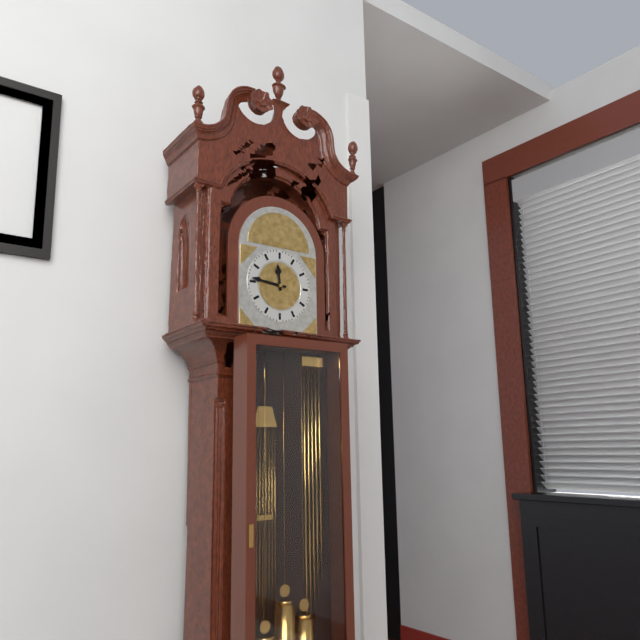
11:46
